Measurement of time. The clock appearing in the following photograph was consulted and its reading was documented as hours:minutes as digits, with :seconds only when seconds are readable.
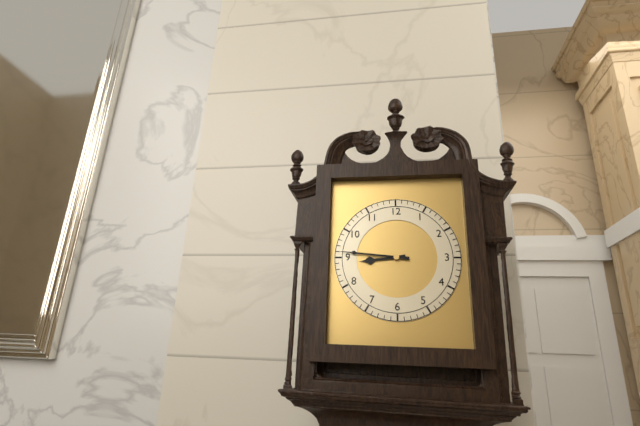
8:46
